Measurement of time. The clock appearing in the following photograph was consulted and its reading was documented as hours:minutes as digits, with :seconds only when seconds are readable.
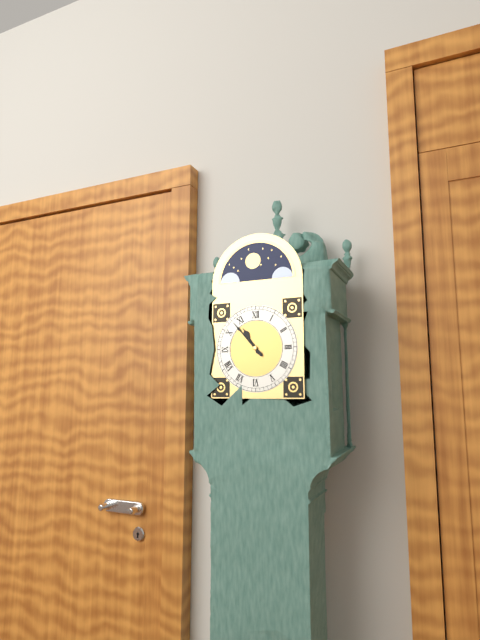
10:53
